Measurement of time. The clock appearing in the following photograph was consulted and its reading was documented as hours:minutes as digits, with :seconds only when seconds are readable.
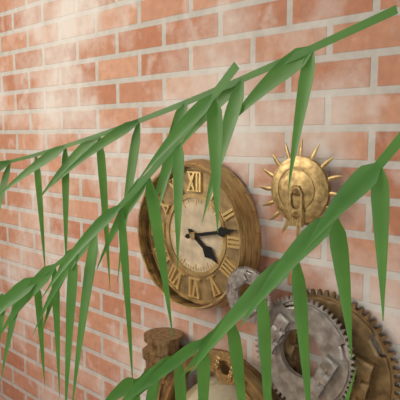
4:13
